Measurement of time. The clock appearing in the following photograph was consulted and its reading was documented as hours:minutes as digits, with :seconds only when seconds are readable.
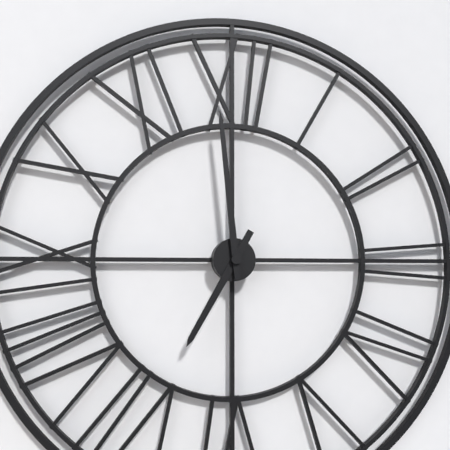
6:59
